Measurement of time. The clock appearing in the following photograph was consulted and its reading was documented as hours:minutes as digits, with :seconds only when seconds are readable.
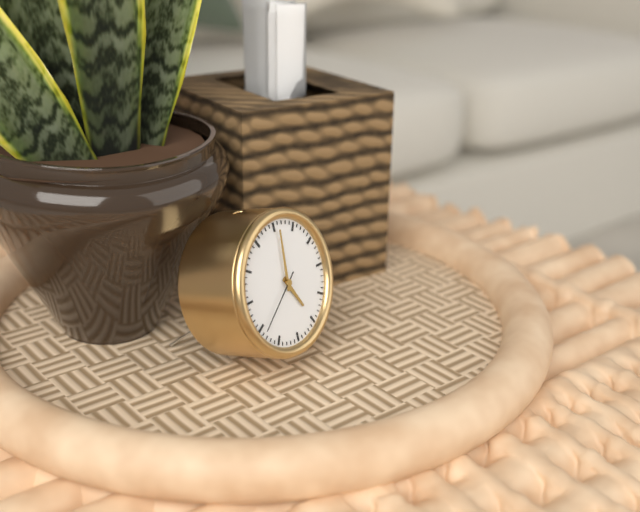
5:01:39
